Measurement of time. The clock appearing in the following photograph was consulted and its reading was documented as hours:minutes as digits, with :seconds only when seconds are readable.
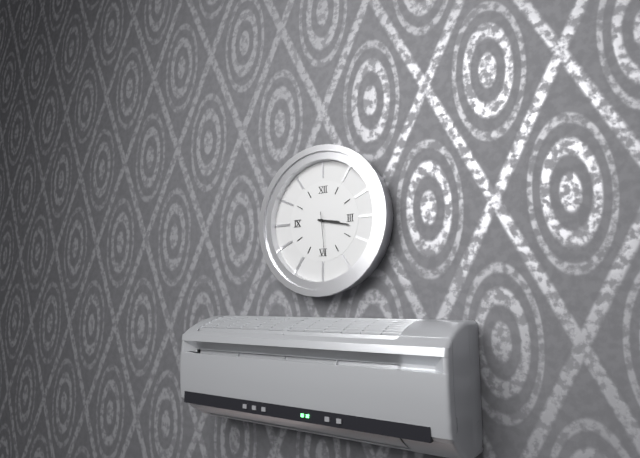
3:17
